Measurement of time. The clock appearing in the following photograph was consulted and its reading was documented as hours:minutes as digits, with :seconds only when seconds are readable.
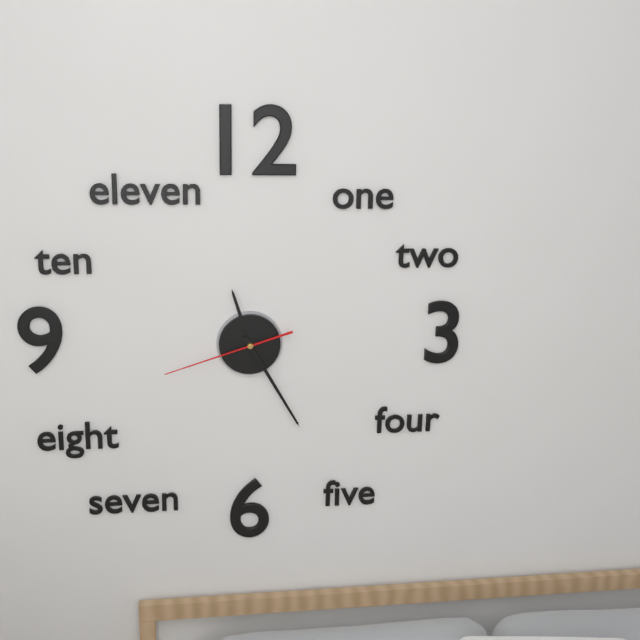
11:25:42
